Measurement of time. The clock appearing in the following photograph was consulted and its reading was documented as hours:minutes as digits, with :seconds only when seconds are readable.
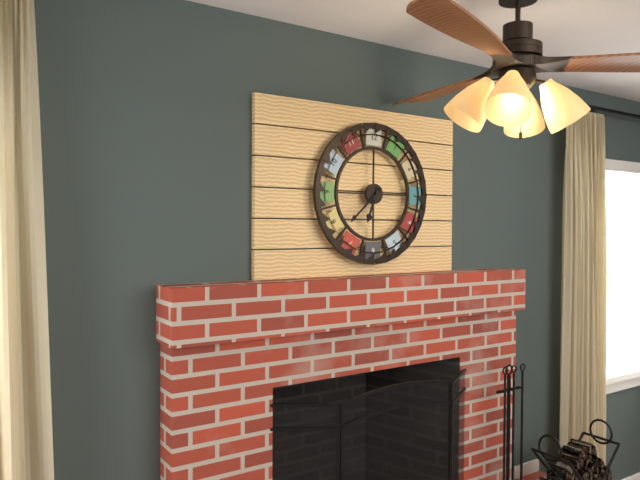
6:38
